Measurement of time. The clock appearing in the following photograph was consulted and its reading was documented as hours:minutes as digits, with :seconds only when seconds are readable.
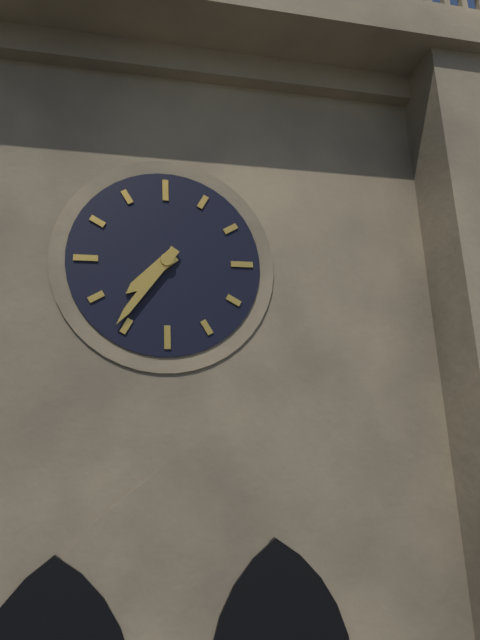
7:36
